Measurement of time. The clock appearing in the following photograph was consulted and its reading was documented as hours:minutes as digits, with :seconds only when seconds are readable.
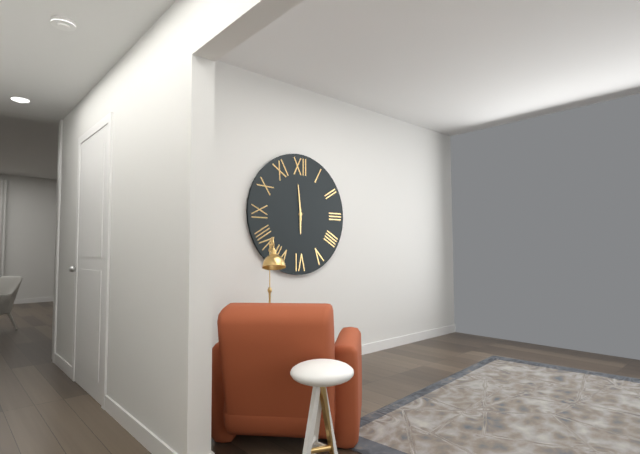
5:59
